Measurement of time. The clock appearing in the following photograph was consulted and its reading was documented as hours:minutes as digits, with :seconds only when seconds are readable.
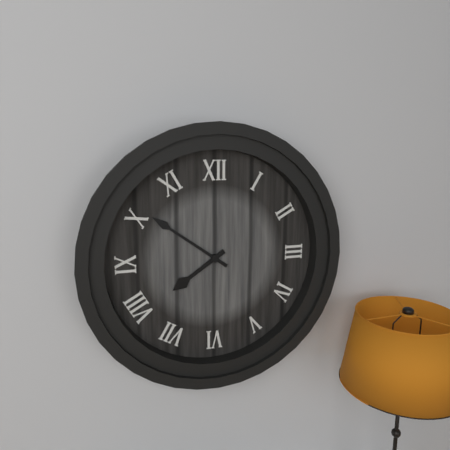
7:51
